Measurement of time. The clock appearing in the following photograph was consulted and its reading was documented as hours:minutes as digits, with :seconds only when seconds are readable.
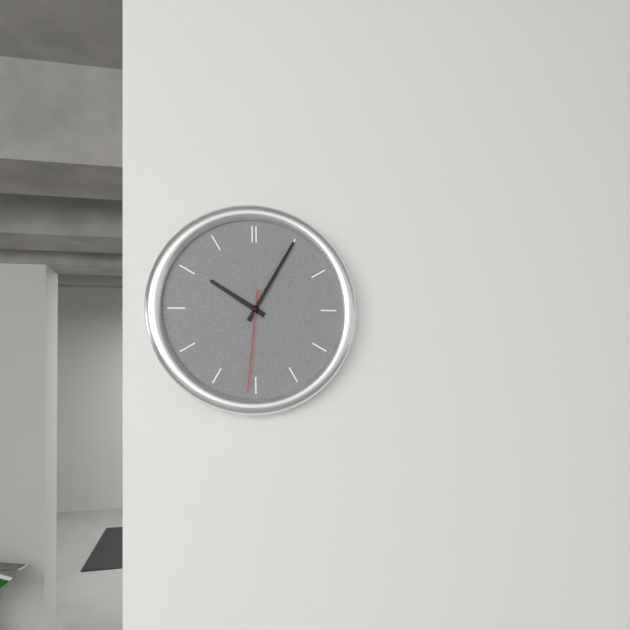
10:05:31
